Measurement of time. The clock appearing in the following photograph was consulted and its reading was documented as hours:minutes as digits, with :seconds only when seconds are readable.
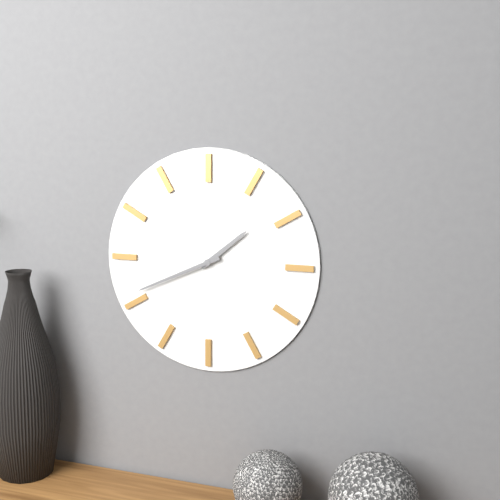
1:41
